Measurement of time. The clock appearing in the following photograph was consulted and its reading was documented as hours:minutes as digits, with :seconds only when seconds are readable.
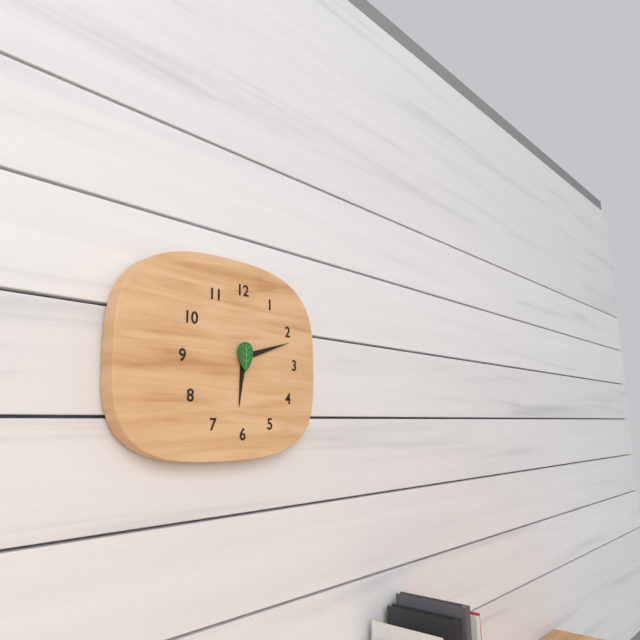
6:12
